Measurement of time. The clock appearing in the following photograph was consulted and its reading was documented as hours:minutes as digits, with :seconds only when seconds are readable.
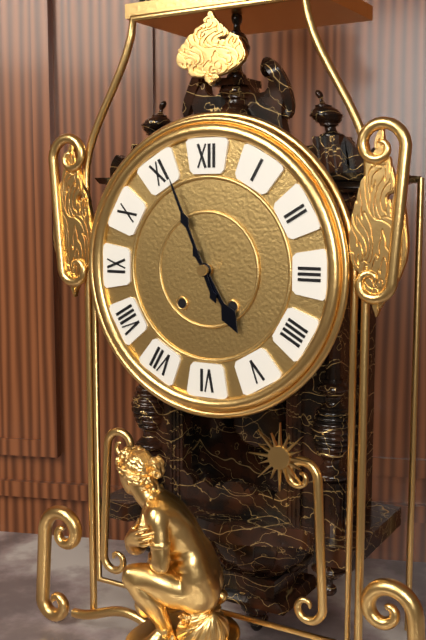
4:56
